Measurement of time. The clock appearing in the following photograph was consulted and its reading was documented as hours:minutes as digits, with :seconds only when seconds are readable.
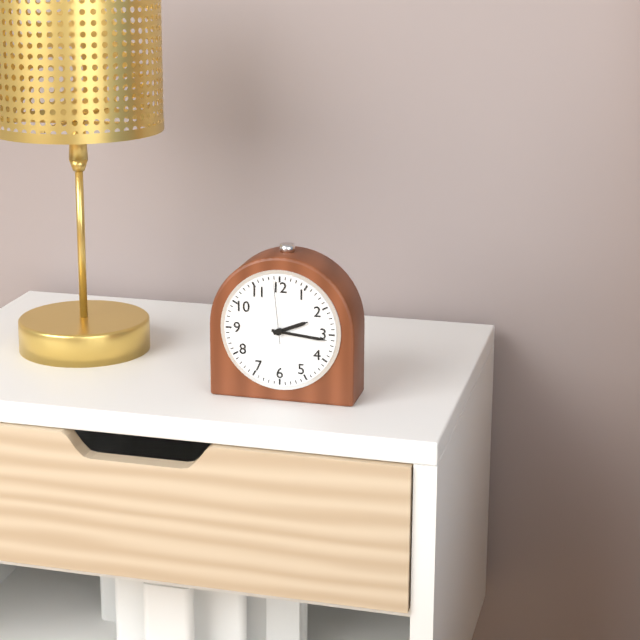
2:16:59
